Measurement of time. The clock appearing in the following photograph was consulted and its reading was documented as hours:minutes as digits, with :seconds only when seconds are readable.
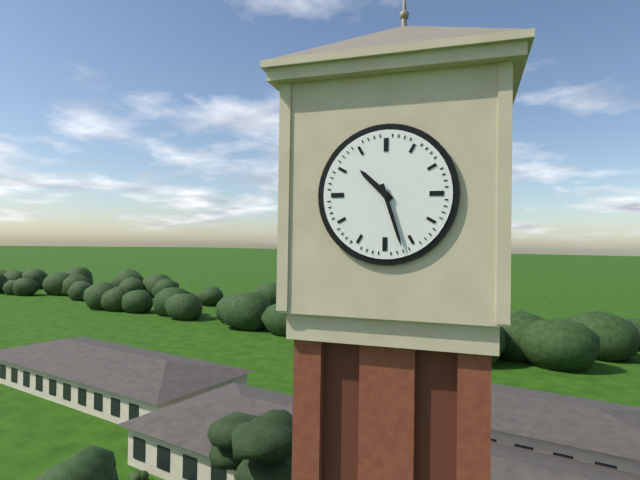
10:27
